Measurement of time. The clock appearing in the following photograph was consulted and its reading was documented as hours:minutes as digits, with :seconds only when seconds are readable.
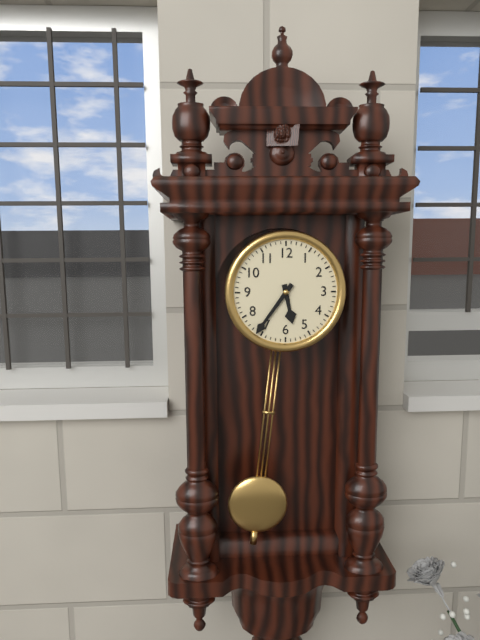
5:36
